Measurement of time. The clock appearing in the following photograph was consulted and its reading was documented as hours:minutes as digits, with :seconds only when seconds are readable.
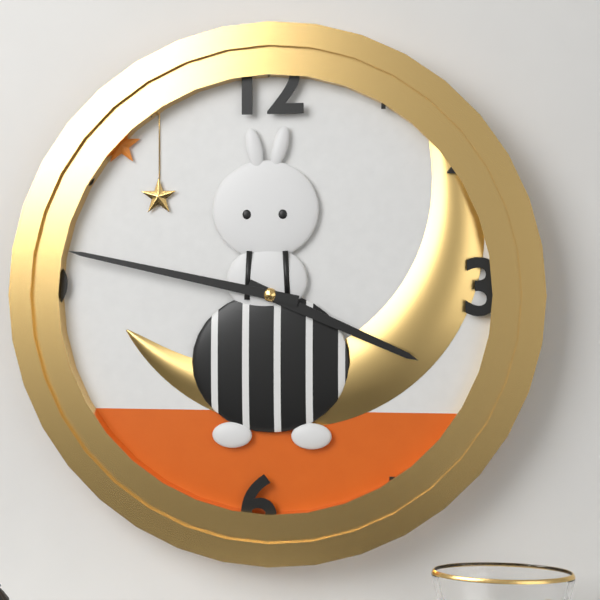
3:47
